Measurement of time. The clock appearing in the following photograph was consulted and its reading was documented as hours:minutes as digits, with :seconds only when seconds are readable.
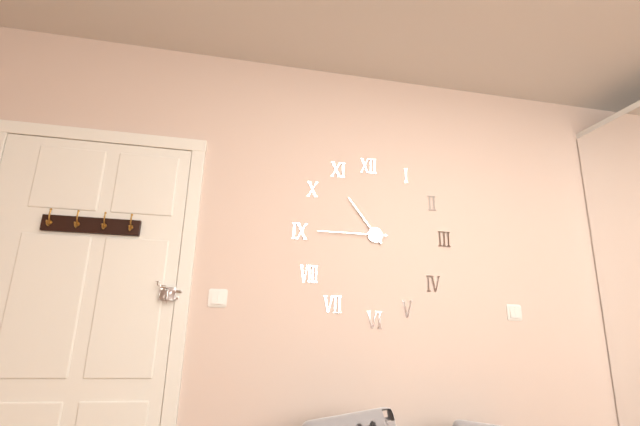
10:45
